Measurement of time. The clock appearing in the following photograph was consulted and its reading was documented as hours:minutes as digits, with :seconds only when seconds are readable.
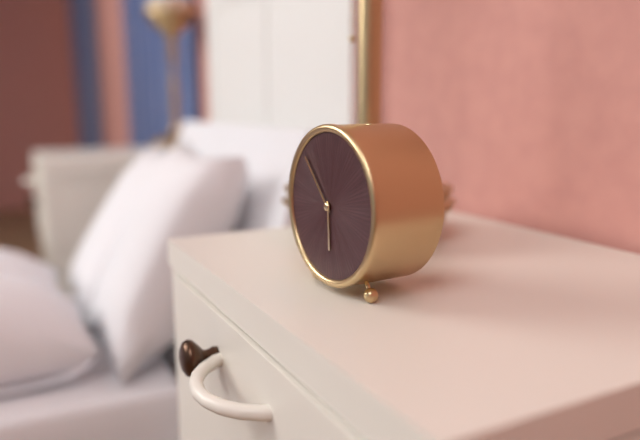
5:53
